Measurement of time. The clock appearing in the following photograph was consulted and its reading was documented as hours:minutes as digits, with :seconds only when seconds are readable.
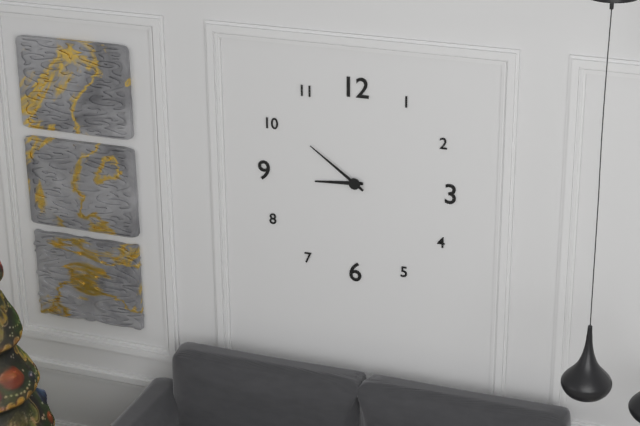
8:51
